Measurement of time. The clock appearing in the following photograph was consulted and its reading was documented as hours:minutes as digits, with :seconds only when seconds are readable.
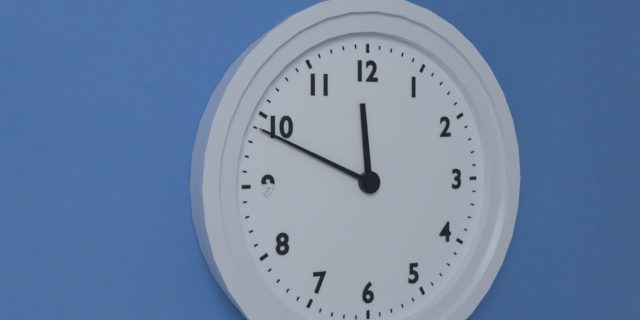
11:49
